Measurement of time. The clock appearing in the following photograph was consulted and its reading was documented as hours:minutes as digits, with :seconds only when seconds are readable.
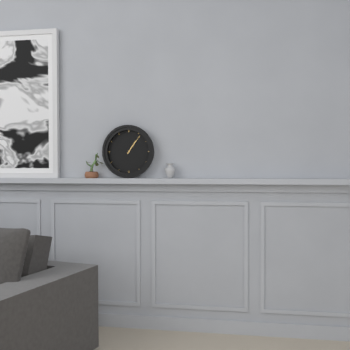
1:06
